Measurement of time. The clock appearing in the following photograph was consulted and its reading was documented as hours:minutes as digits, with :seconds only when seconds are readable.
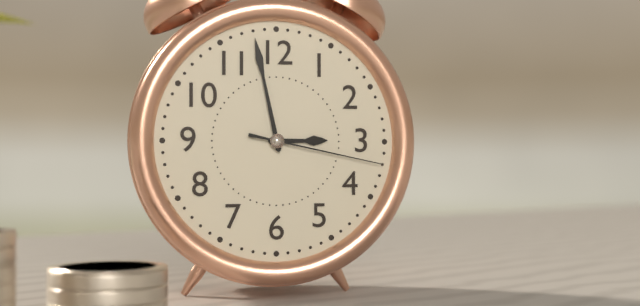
2:58:17
